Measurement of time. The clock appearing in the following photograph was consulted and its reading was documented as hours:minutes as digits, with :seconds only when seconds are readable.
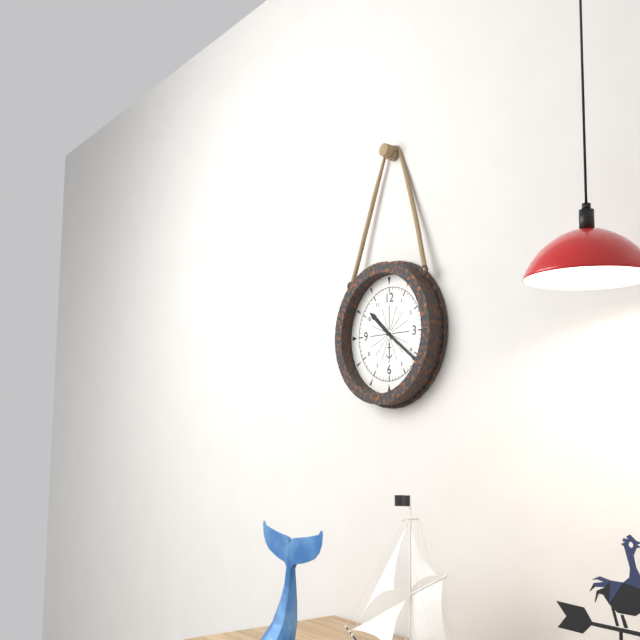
10:21
